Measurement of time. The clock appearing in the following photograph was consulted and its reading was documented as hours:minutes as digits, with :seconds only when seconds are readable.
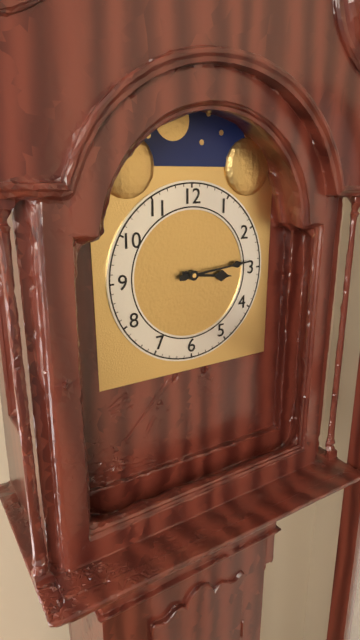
3:14
